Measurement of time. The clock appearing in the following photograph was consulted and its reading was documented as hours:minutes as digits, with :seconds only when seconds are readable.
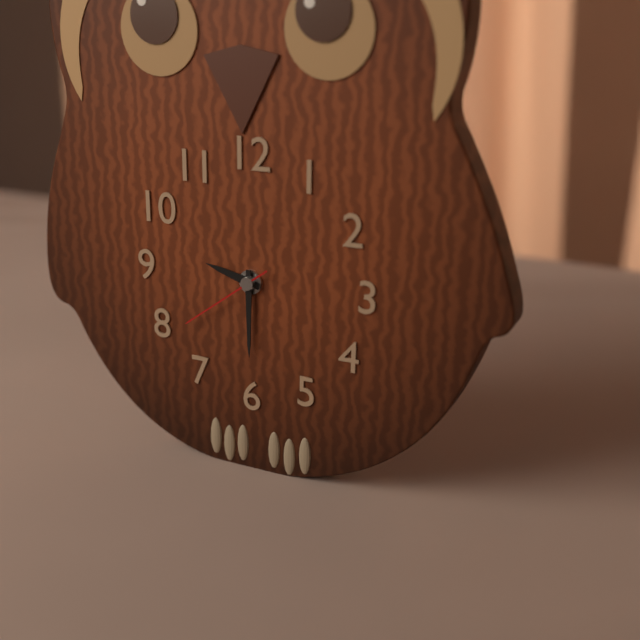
9:30:39
